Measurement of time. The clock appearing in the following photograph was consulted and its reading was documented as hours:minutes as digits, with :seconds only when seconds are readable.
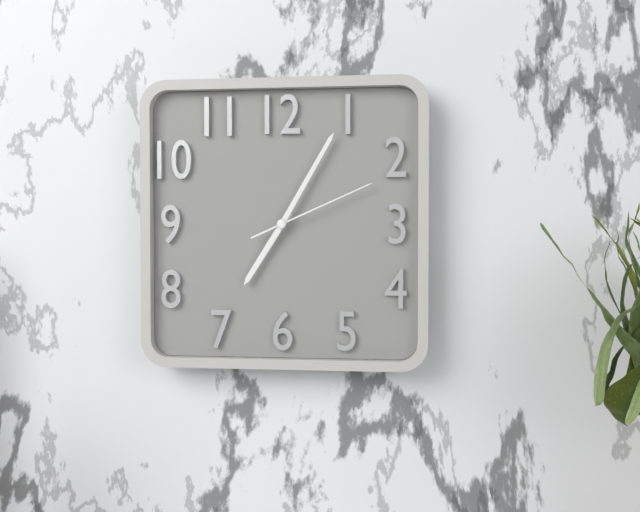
7:05:11
